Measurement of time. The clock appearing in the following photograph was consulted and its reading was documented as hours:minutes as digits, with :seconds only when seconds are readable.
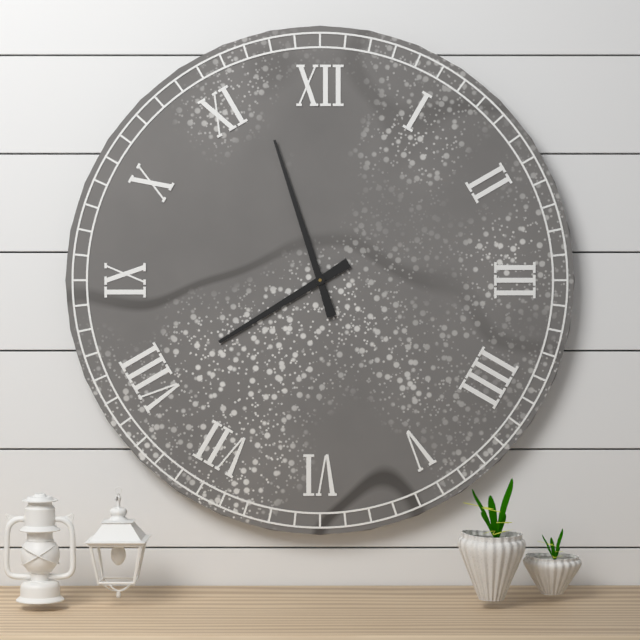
7:57
